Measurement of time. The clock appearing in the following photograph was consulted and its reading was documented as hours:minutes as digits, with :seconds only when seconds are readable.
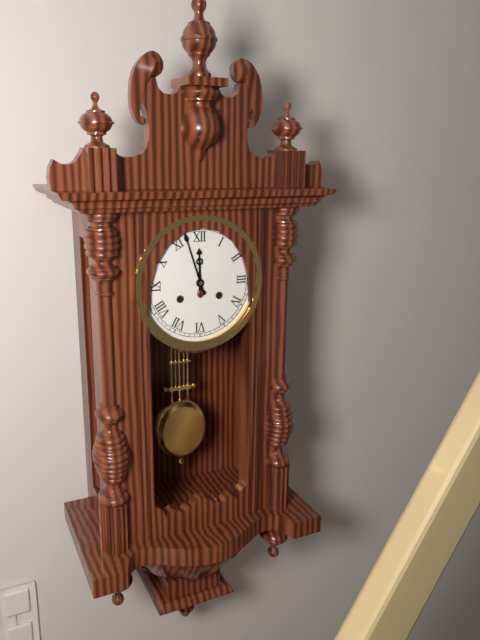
11:57
